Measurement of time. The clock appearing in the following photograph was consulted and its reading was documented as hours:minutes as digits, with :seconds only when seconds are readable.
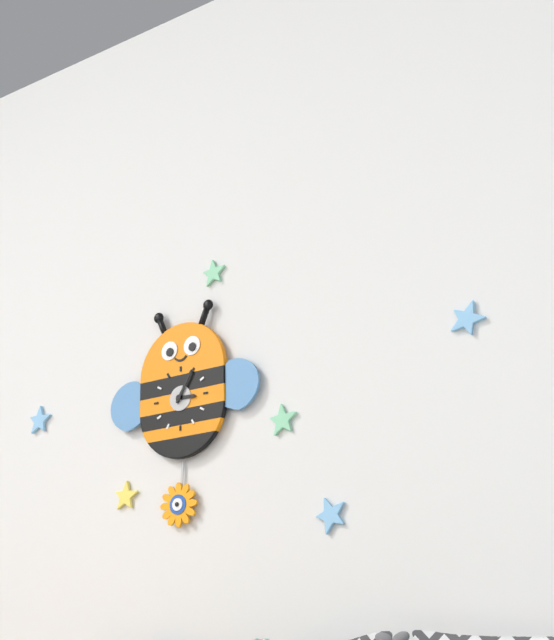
3:05
